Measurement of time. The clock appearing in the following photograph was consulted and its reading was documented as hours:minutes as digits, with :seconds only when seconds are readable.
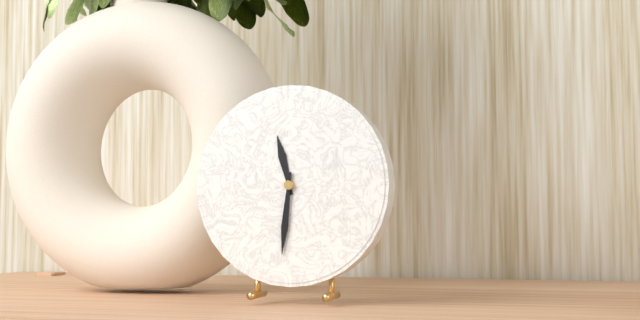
11:31
